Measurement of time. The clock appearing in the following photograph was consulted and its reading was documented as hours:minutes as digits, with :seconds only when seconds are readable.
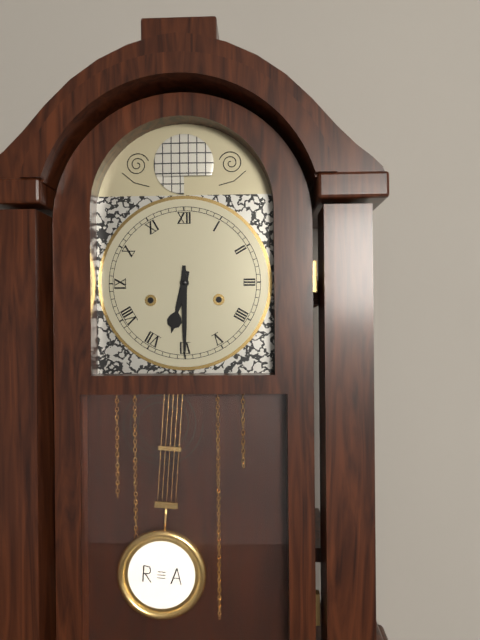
6:30
